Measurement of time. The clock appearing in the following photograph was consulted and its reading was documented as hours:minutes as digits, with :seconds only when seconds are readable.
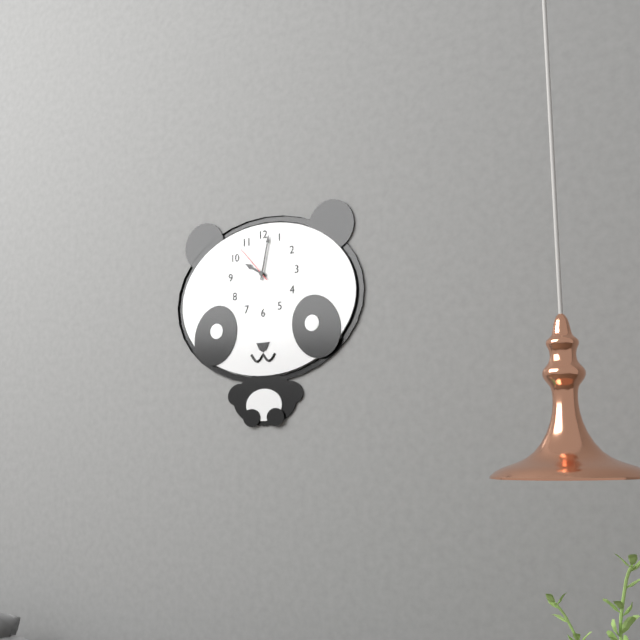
10:02
